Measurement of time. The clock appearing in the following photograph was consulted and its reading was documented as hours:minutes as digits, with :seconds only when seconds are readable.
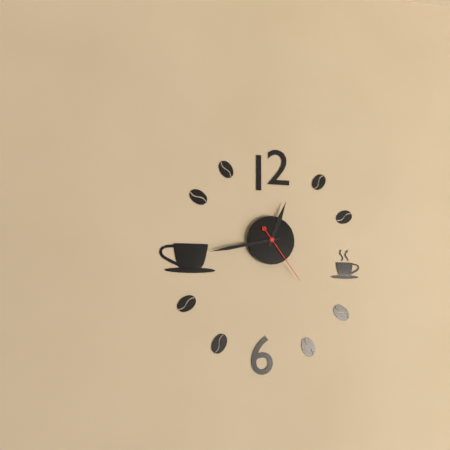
12:43:24
